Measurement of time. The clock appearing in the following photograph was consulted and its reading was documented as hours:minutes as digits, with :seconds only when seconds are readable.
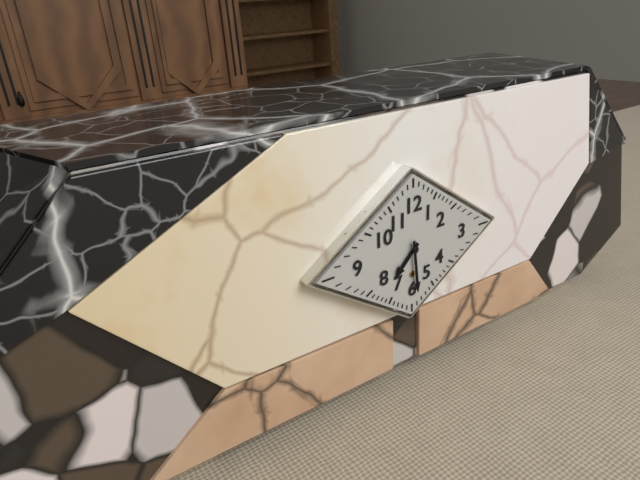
7:29
